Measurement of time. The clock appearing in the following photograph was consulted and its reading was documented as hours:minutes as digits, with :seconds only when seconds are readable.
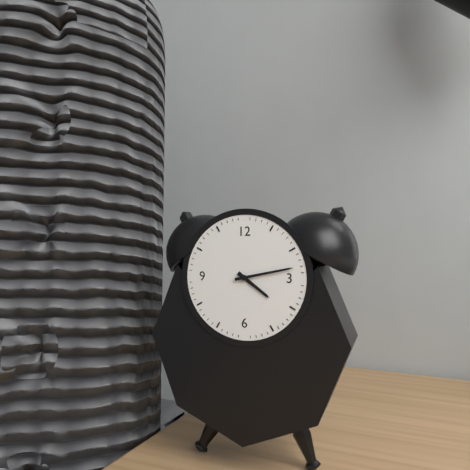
4:13
